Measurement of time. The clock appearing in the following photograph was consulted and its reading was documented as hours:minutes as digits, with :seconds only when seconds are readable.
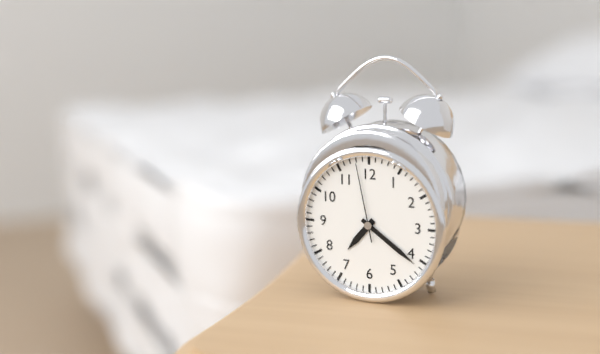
7:21:58
